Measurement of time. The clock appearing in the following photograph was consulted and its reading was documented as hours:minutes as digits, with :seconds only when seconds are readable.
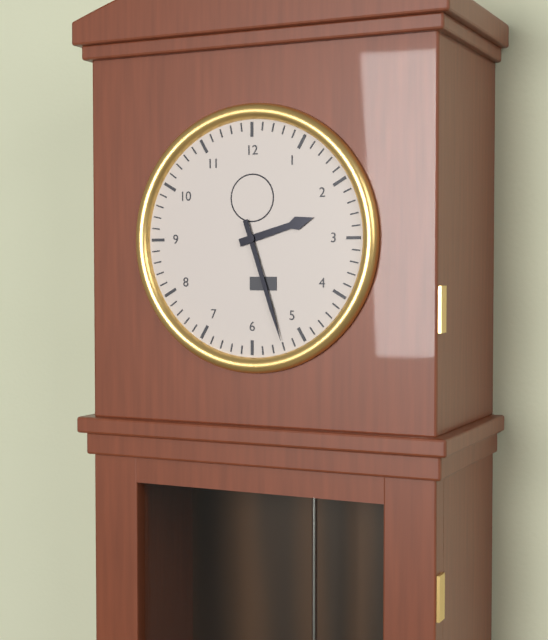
2:27
